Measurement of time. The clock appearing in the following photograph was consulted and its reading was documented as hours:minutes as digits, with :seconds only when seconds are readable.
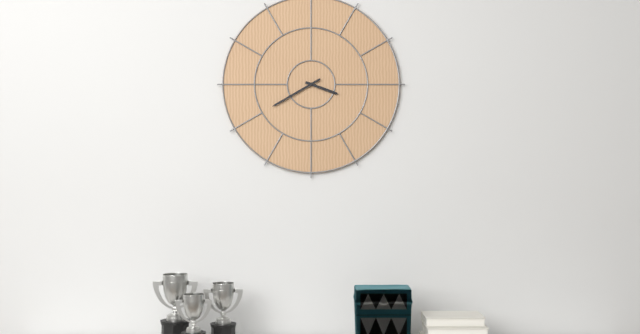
3:40
